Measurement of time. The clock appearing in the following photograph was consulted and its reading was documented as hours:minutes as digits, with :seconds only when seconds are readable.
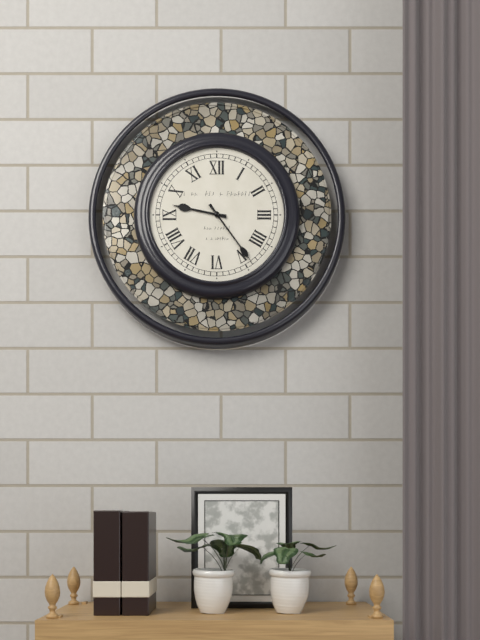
9:24
